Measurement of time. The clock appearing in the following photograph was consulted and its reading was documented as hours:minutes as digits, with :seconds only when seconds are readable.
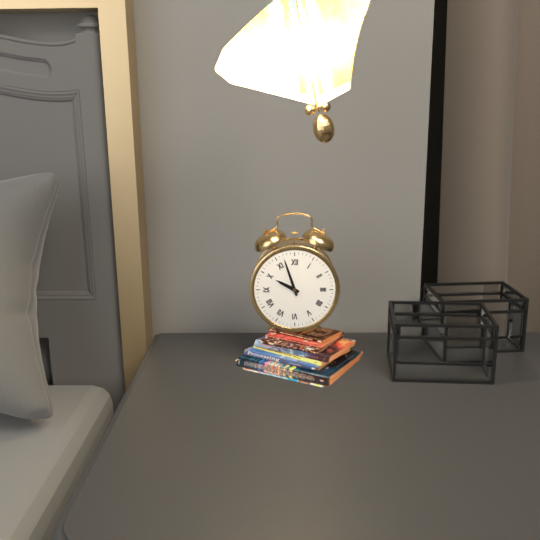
9:57
